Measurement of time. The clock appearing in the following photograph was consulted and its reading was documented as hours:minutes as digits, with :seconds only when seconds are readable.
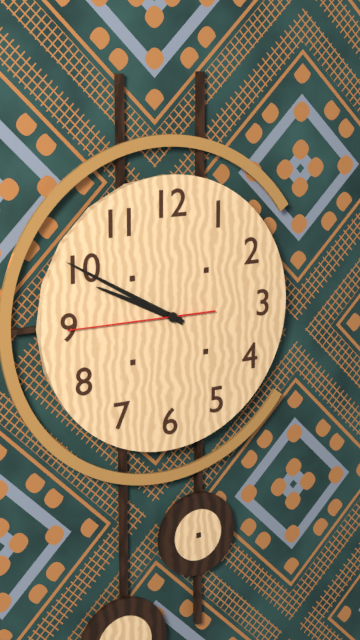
9:50:45
